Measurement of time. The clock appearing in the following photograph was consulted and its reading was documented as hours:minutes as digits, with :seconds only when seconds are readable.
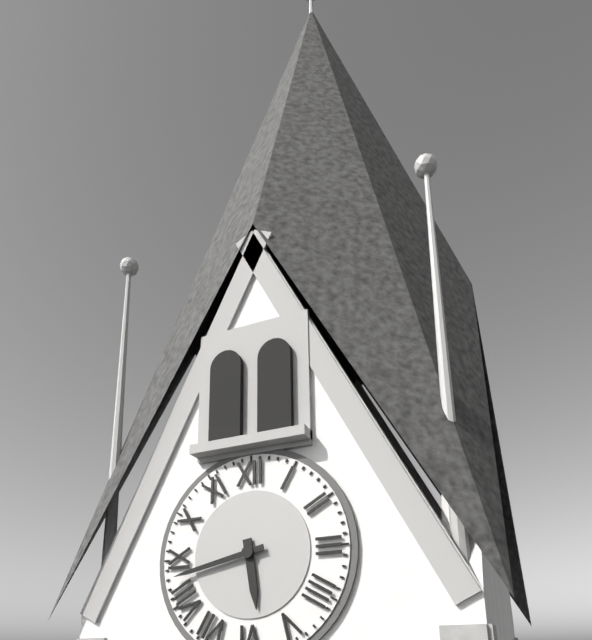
5:43
